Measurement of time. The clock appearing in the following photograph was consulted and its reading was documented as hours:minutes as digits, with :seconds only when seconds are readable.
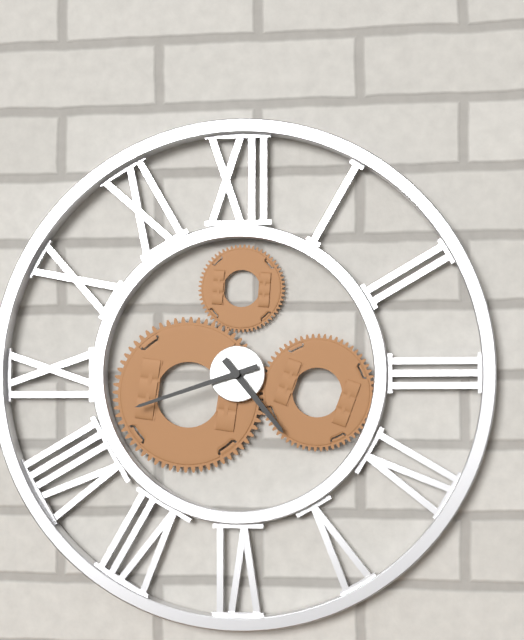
4:42
